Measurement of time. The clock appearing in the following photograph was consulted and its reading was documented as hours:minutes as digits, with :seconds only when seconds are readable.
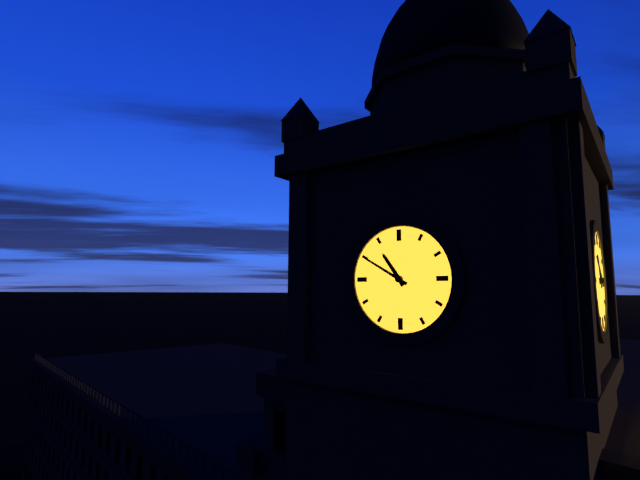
10:50
